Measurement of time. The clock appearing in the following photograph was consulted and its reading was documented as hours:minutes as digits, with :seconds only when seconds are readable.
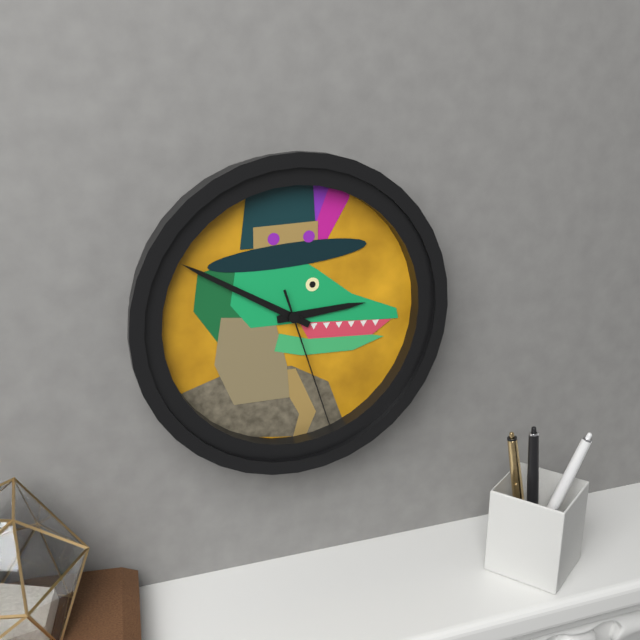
2:50:27
